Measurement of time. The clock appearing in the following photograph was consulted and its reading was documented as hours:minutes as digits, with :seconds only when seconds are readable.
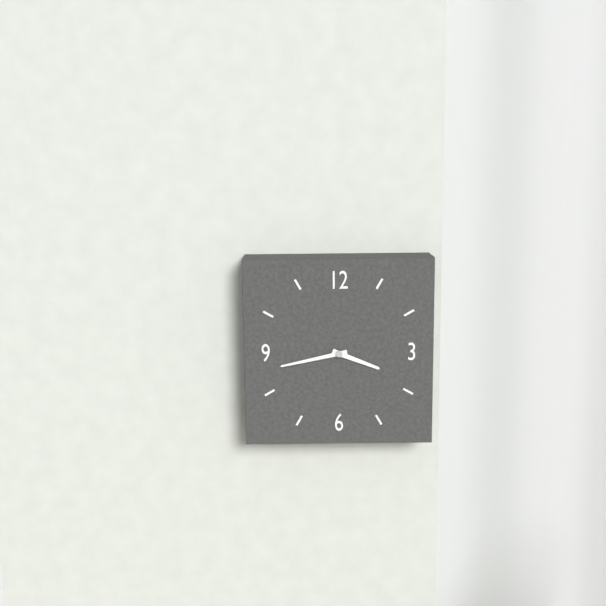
3:43
